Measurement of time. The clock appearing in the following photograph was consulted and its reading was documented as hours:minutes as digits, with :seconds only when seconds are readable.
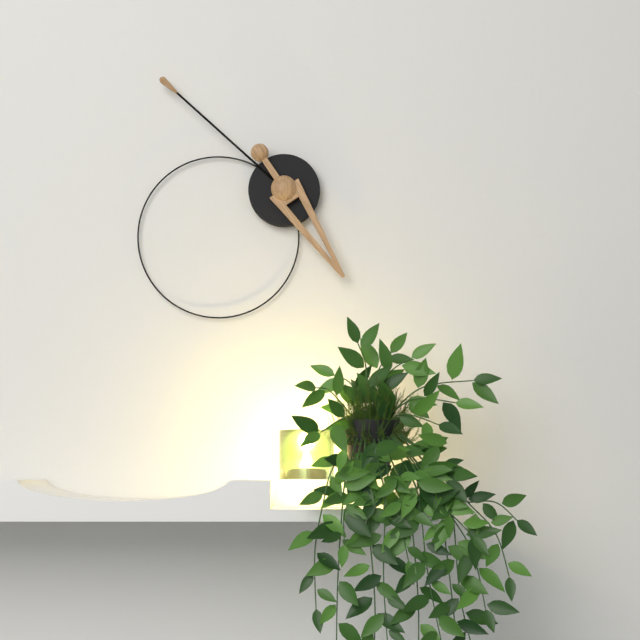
4:52
